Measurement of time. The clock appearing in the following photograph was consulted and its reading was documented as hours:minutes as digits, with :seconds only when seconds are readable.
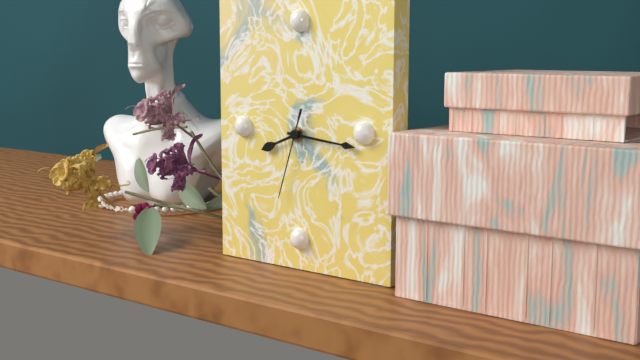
8:16:33
